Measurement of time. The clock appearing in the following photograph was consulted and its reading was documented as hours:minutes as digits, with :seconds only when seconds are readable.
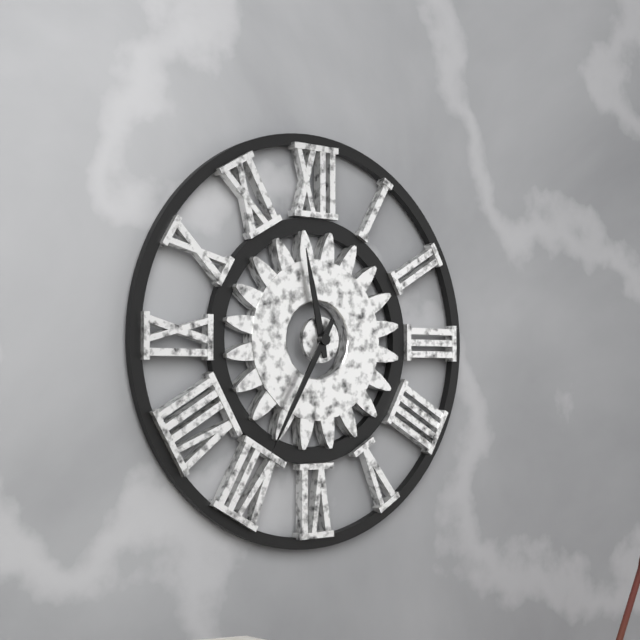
11:35
